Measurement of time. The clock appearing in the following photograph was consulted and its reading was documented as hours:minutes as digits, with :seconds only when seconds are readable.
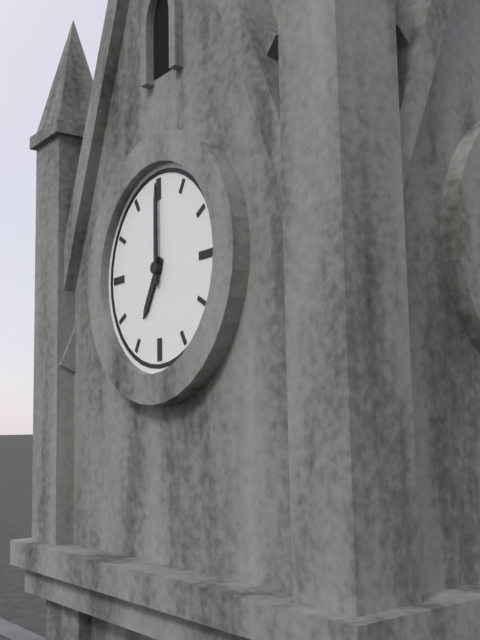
7:00
